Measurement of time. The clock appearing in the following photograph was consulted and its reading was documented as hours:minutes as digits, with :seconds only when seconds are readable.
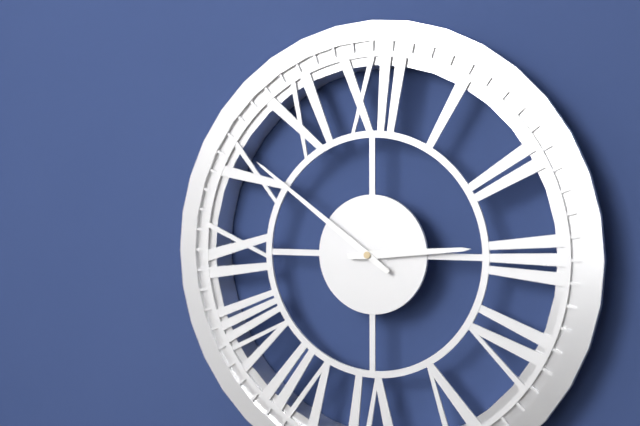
2:51
